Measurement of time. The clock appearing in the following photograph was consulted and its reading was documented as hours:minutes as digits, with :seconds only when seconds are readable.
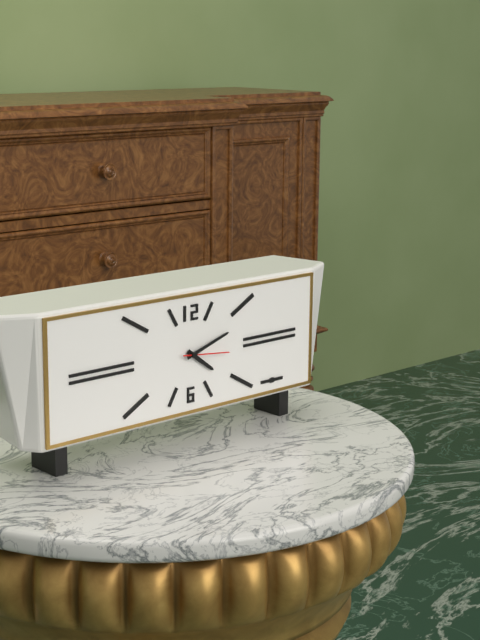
4:12:16
